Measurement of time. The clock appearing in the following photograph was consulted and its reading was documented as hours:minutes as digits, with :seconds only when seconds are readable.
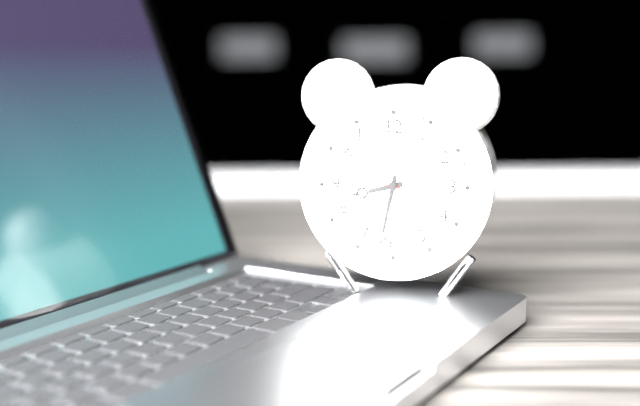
8:32:47
